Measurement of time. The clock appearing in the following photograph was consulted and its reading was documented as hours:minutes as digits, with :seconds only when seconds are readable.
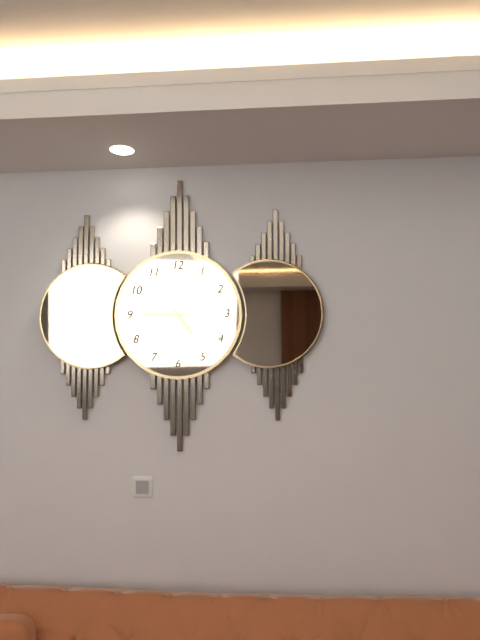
4:45
